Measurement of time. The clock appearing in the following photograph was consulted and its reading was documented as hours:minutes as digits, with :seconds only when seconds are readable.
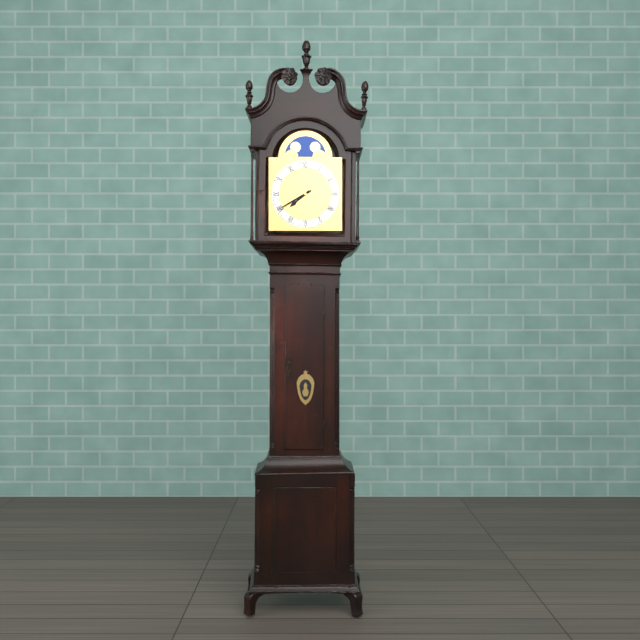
7:40
